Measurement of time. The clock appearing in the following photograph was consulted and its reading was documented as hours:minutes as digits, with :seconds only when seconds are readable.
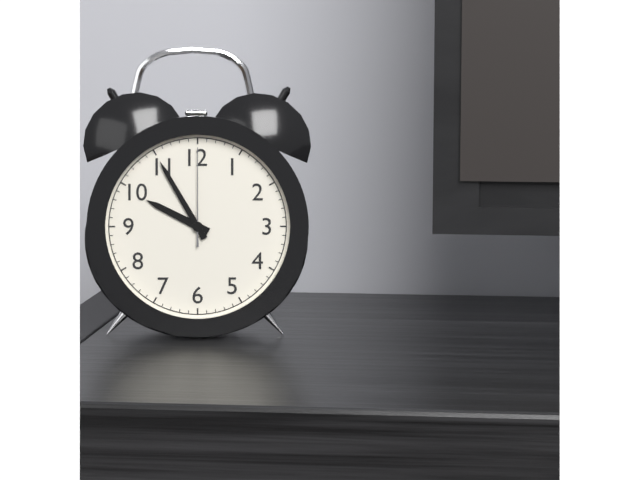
9:55:00
